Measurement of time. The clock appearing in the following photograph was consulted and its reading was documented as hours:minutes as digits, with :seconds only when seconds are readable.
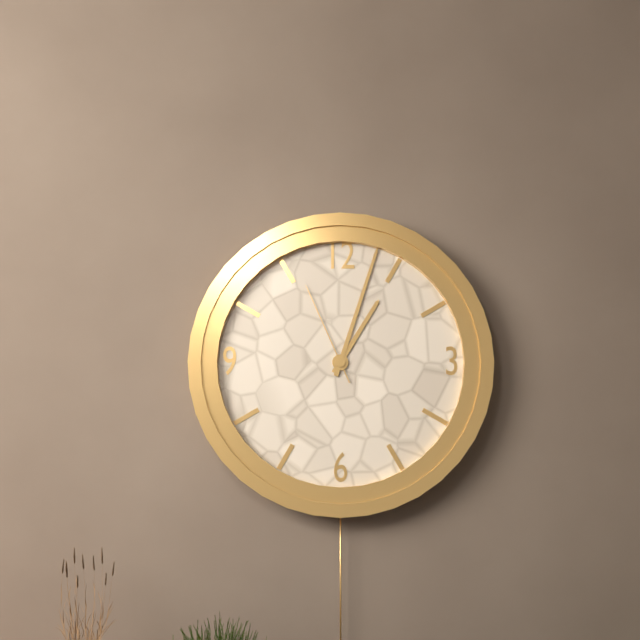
1:03:56
